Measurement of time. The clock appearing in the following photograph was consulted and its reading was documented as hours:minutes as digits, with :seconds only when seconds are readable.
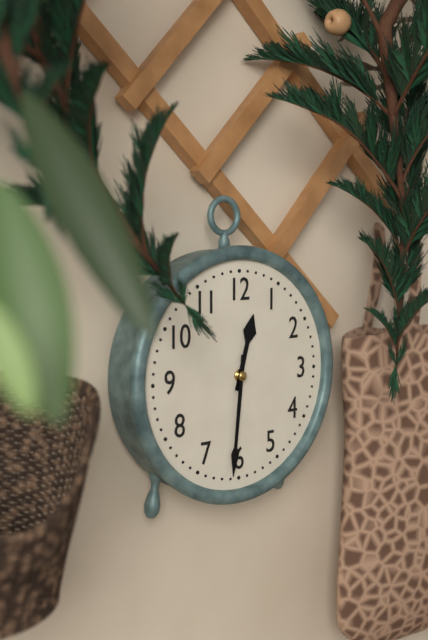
12:31
